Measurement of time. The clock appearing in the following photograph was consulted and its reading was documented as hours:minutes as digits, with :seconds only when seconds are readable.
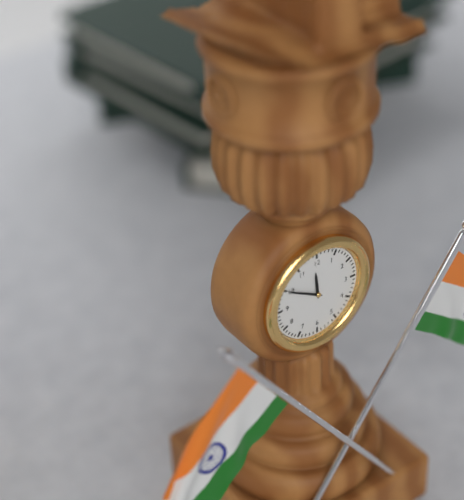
11:50
